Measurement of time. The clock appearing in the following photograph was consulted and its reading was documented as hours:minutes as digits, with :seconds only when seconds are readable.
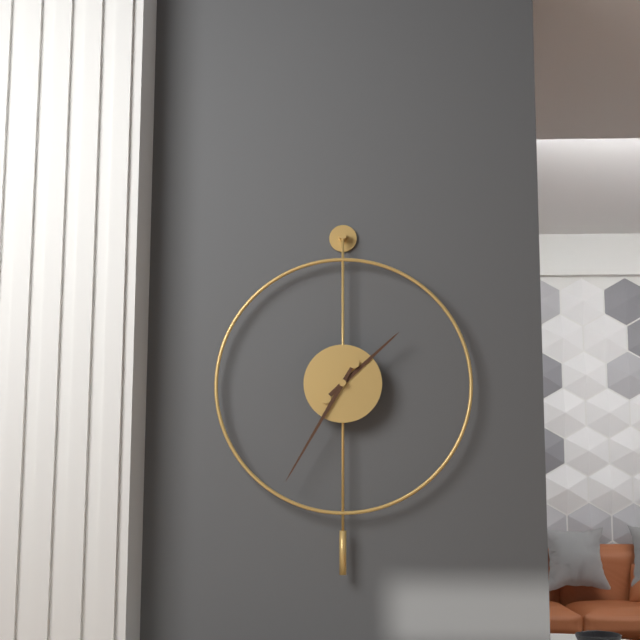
1:35
